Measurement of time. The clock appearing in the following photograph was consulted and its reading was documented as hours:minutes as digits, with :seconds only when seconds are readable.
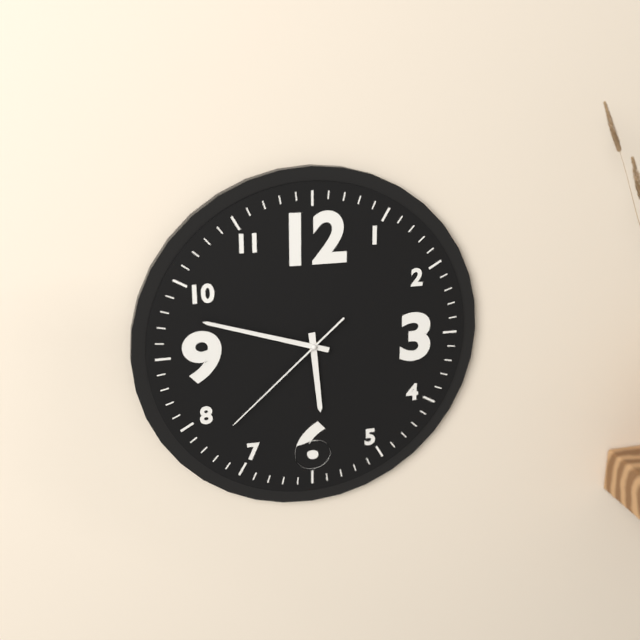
5:48:38
